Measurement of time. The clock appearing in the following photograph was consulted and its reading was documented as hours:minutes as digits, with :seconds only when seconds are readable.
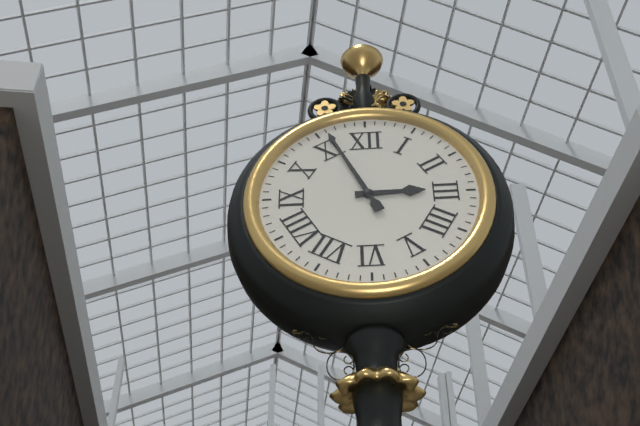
2:56
